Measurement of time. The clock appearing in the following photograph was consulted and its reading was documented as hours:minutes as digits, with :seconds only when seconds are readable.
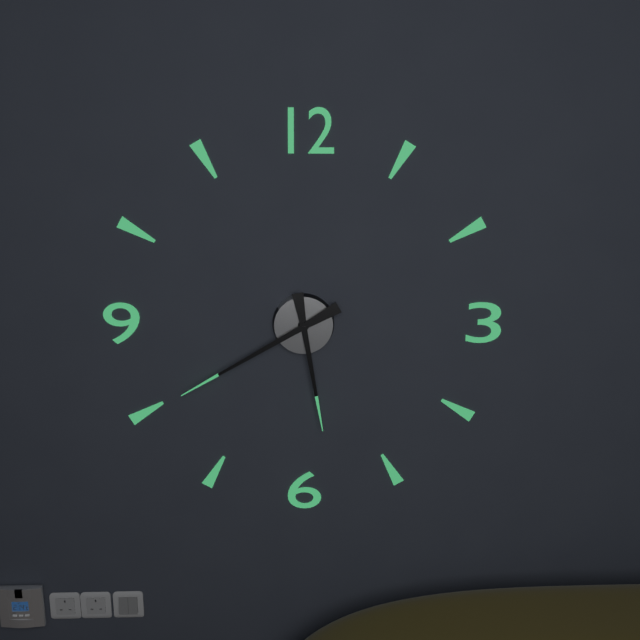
5:40
